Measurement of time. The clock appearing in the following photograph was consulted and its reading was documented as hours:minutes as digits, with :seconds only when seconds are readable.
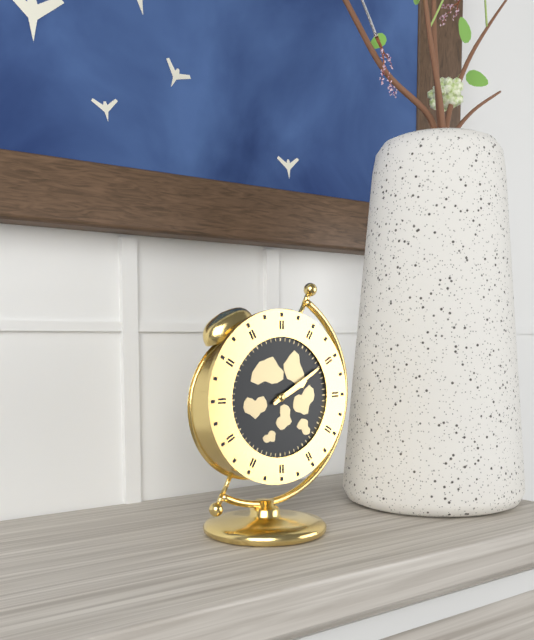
2:10
